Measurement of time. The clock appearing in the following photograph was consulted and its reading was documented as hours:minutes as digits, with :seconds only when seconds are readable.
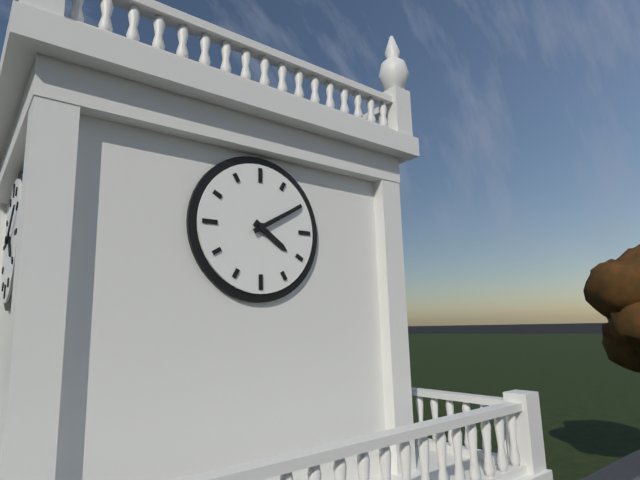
4:10
